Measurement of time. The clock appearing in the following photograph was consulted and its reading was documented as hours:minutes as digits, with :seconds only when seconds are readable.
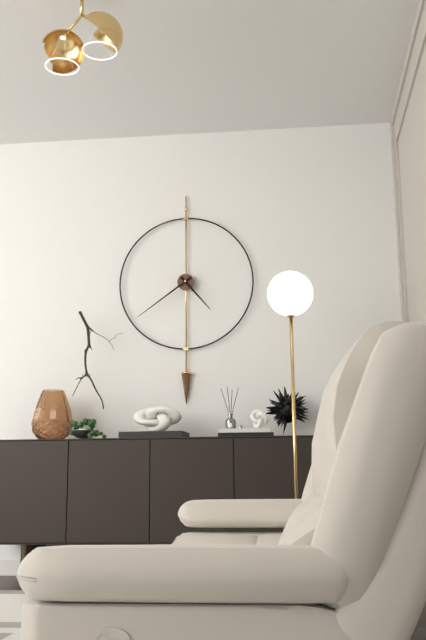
4:39
